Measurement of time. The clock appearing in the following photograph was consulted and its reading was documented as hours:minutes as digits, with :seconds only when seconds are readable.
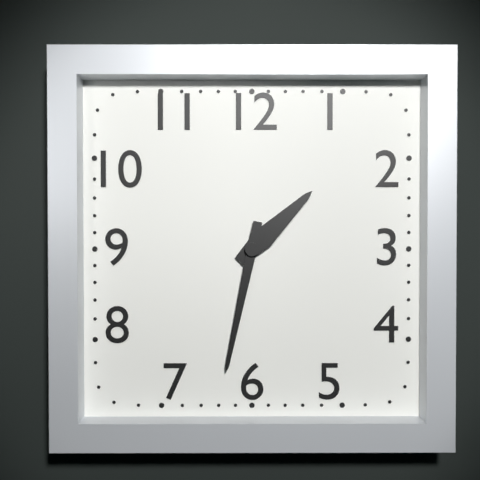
1:32
